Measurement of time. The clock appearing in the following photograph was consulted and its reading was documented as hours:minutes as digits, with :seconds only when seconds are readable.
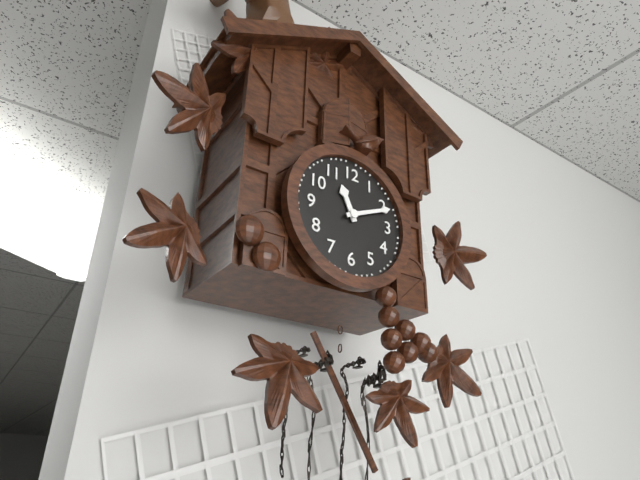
11:11
